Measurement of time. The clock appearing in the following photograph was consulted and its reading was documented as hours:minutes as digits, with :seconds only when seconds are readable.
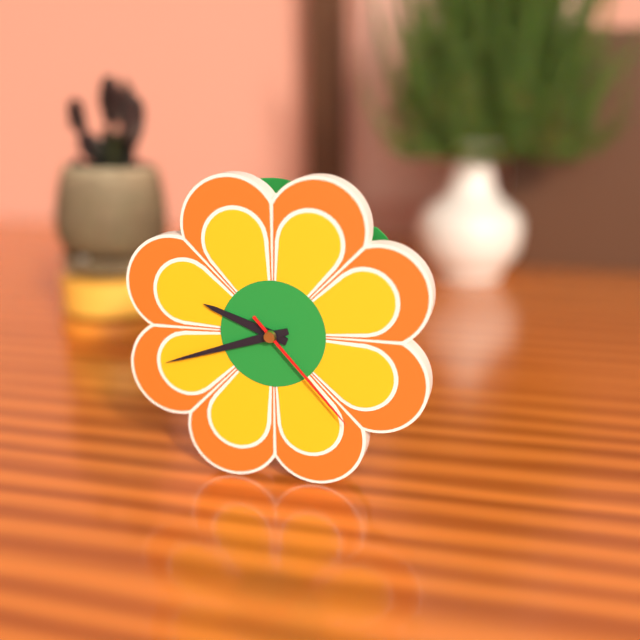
9:42:23
